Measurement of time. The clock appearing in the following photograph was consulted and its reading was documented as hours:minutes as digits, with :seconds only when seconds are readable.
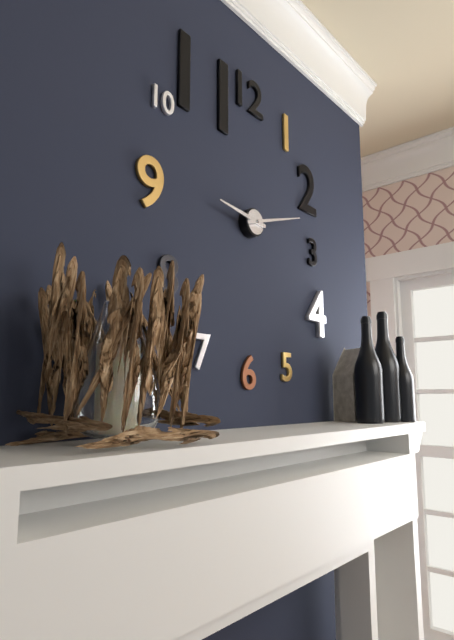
9:12
